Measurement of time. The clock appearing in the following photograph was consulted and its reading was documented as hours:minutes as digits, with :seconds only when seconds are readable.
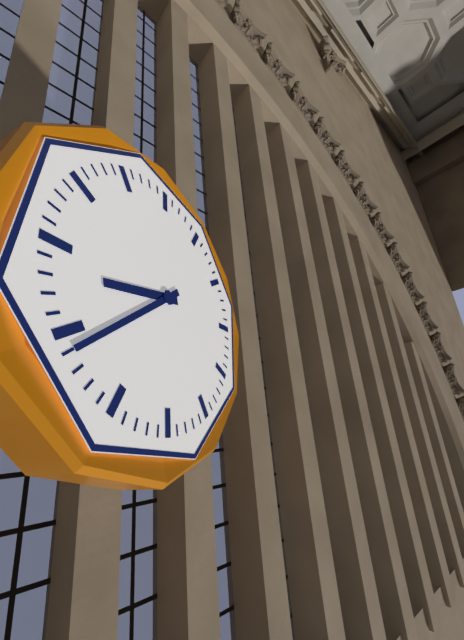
8:39
